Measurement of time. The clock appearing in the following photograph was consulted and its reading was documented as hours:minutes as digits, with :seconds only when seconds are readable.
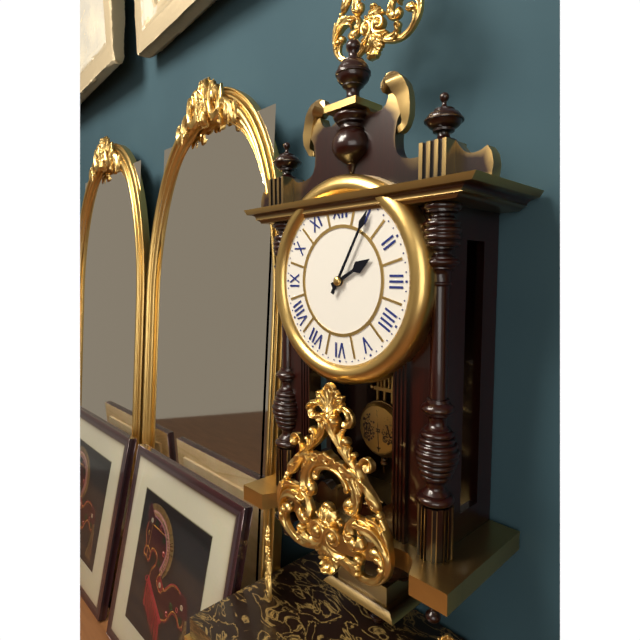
2:05
